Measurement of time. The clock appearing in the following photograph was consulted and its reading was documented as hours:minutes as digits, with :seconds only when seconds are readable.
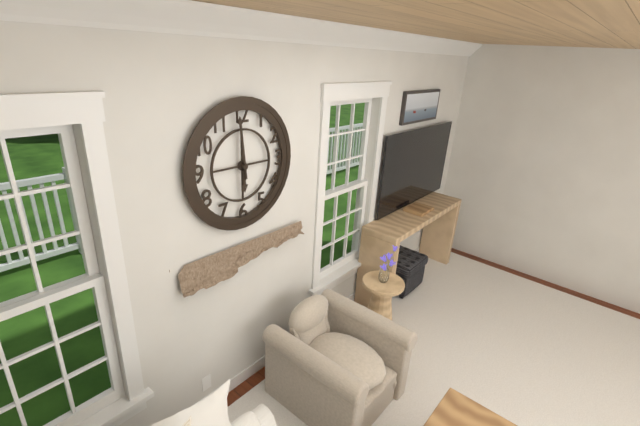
5:59
